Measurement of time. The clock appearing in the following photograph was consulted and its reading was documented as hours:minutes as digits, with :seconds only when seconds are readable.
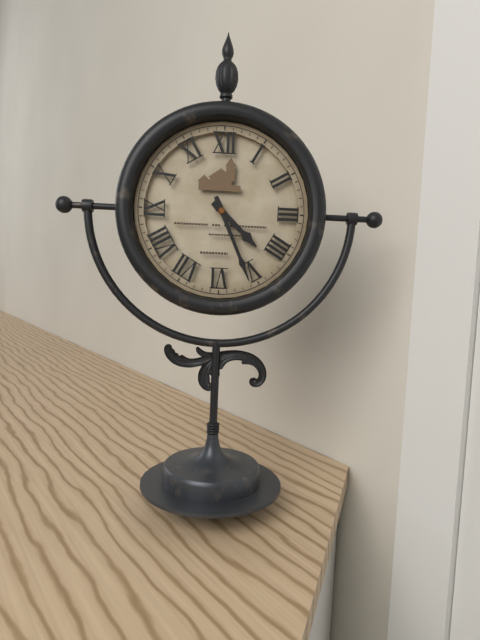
4:26
